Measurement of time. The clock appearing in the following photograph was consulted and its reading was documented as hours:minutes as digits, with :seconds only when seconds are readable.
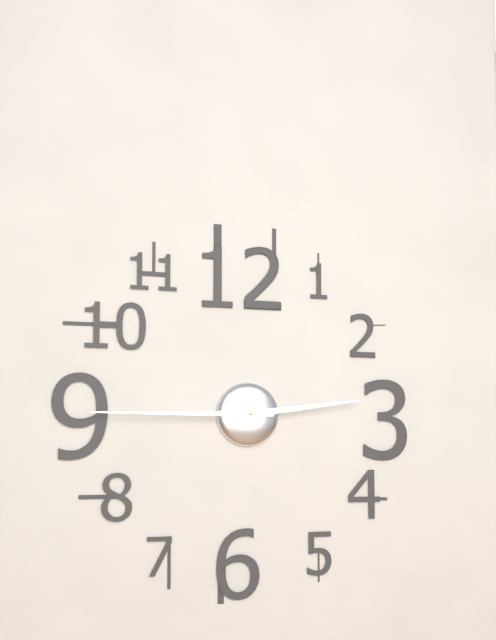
2:45
